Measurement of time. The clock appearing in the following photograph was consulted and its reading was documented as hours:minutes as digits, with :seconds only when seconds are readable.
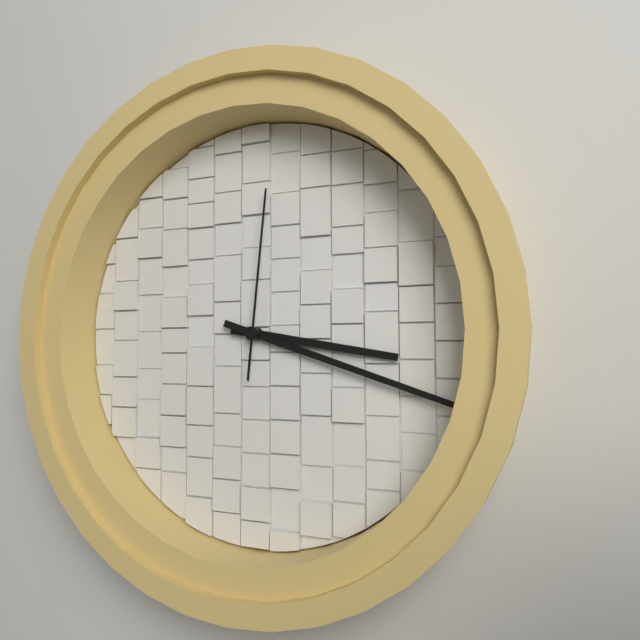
3:18:01
